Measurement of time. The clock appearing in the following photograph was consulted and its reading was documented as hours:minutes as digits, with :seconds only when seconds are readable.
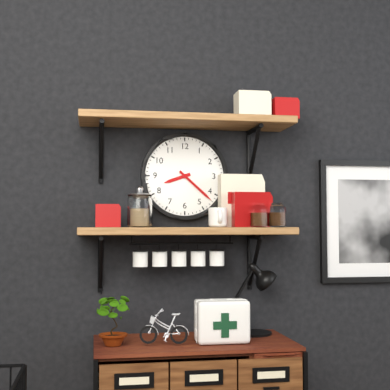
8:22
